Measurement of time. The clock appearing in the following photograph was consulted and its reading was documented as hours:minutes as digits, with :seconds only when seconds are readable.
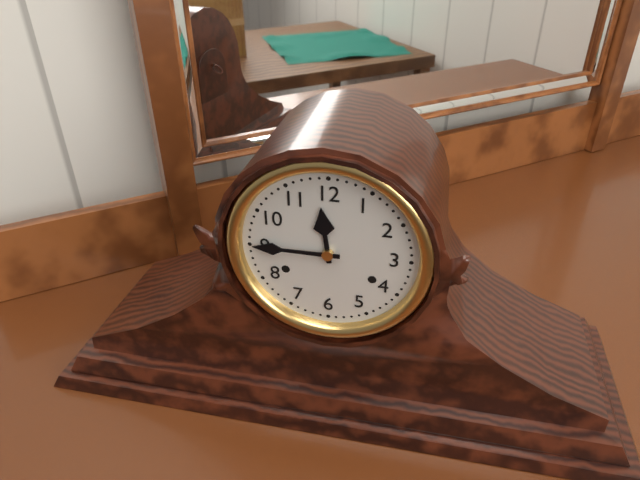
11:45
